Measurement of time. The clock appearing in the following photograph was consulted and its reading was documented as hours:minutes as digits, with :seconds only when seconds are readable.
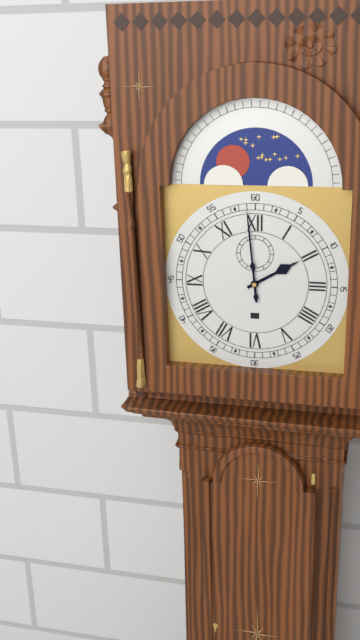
1:59
